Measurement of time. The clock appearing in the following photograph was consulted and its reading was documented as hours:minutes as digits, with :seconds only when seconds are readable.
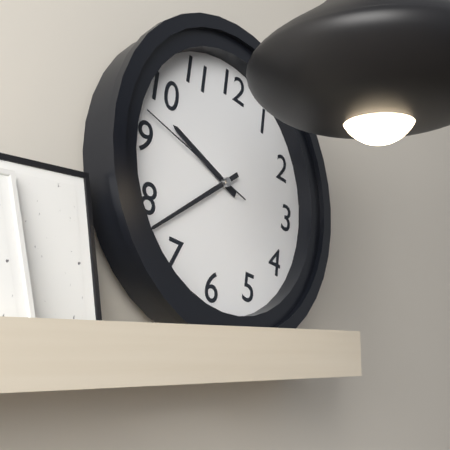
9:38:47
